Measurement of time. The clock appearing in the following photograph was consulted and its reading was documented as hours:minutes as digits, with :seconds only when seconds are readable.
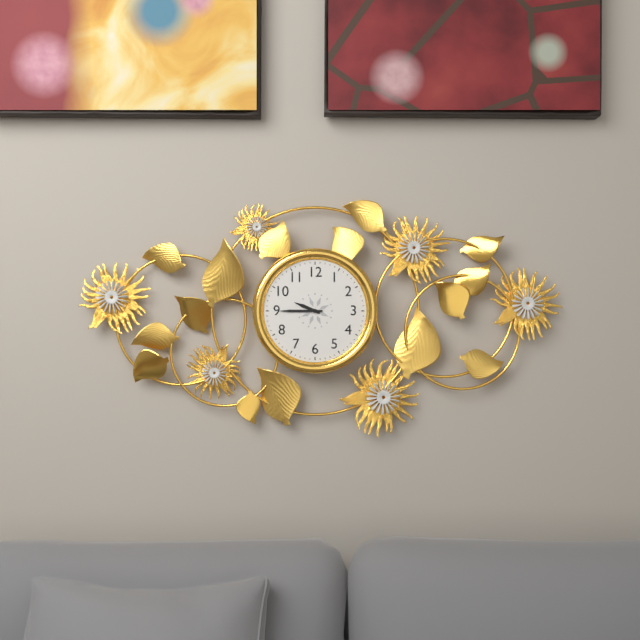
9:45
